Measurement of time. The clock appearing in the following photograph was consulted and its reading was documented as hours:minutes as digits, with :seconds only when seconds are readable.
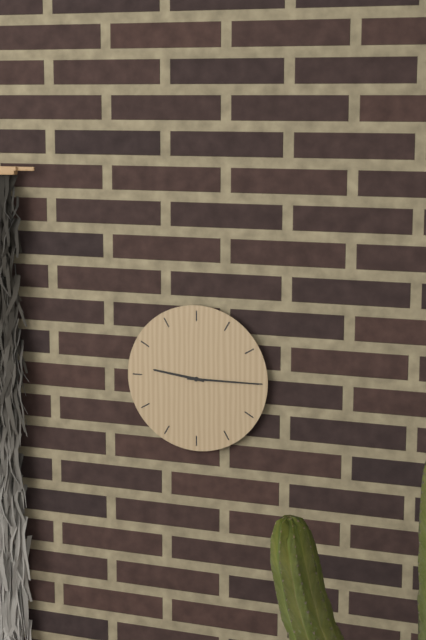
9:15
